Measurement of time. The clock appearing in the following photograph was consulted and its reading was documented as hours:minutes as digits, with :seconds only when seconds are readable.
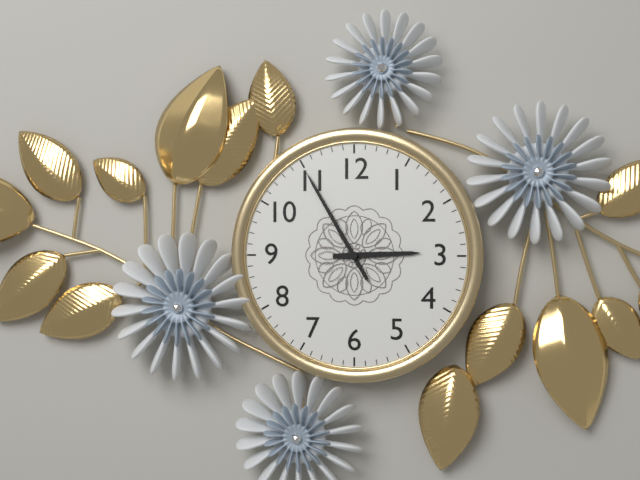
2:55
